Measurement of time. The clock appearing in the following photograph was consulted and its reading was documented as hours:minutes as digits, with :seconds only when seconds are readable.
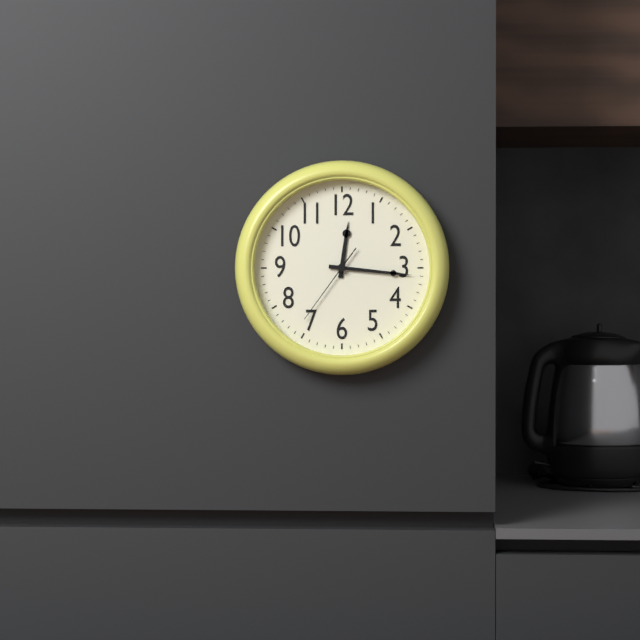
12:16:36
